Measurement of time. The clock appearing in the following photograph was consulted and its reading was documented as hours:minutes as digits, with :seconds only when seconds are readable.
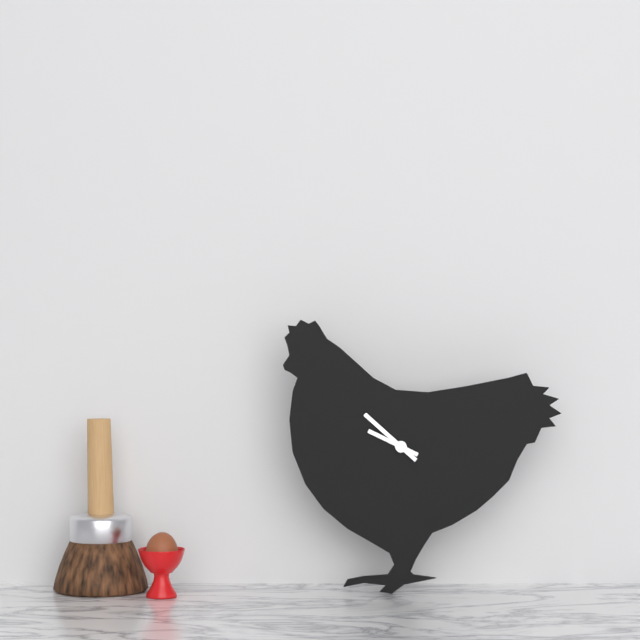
9:52
